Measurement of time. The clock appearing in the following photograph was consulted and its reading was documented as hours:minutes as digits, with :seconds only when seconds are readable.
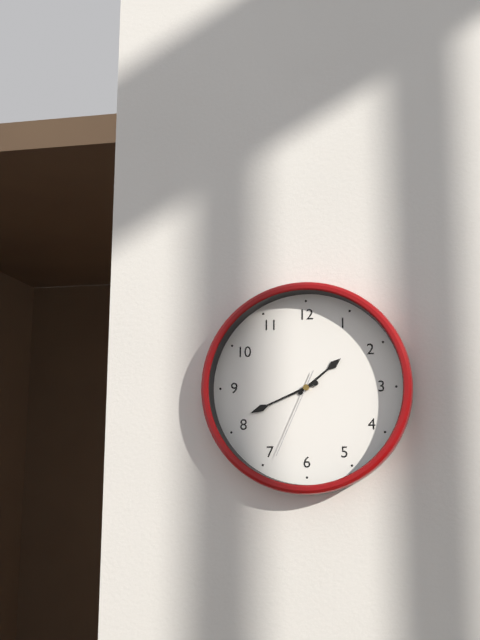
1:41:34
